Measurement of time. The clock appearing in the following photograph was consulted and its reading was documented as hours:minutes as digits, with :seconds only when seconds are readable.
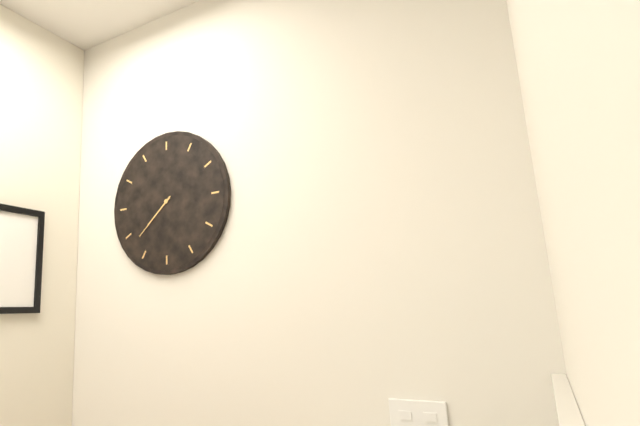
7:38
